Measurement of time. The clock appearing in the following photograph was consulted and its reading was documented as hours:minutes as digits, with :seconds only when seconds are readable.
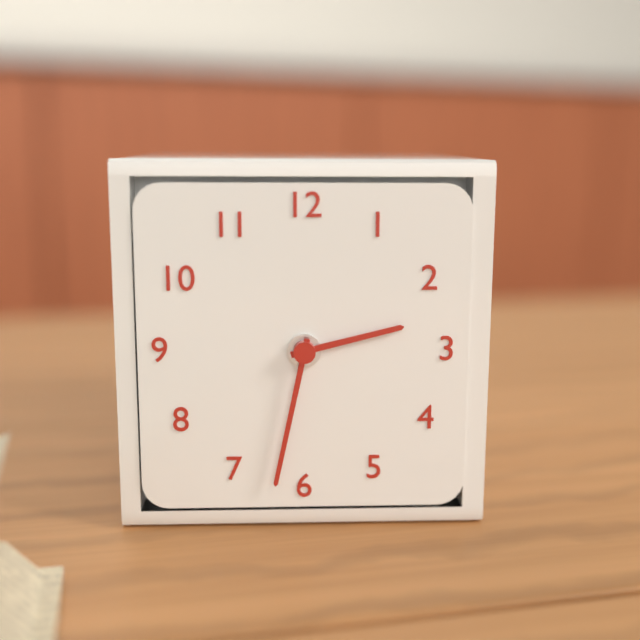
2:32
